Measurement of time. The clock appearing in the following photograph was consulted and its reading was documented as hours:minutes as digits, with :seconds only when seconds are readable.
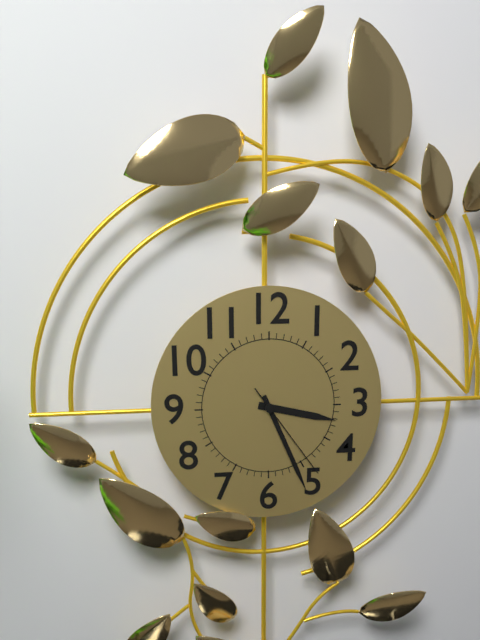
3:26:24
